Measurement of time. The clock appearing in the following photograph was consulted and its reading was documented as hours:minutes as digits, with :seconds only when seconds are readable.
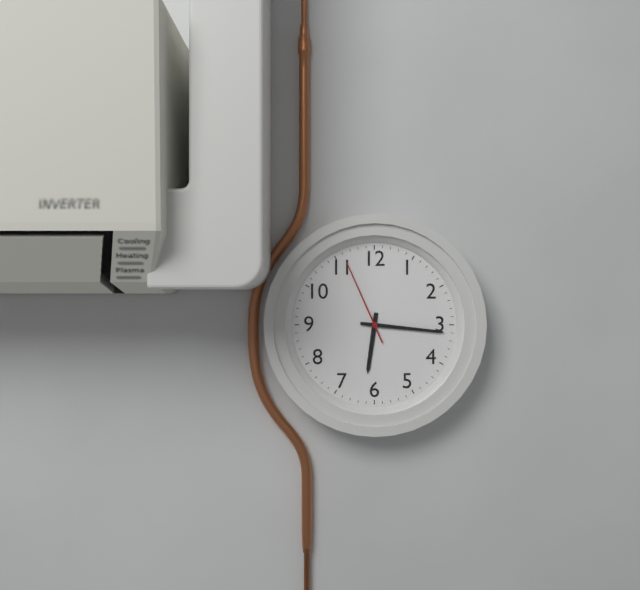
6:16:56
